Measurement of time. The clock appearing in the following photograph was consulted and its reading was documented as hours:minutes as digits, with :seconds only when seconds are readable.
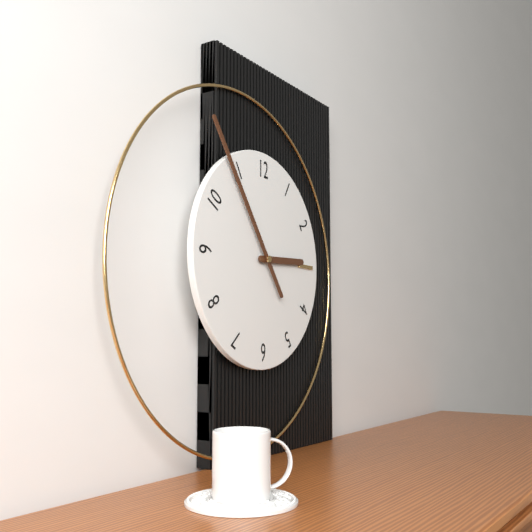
2:54
